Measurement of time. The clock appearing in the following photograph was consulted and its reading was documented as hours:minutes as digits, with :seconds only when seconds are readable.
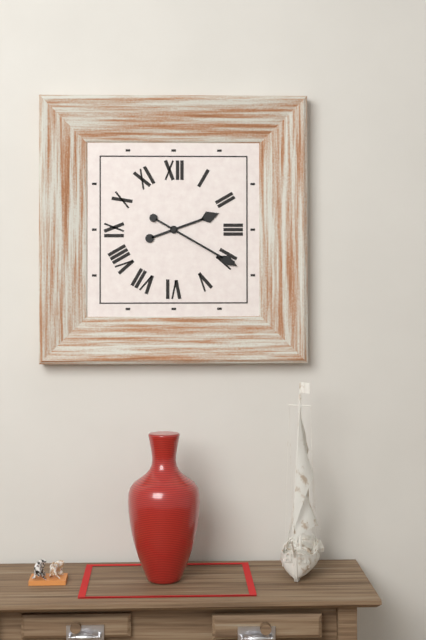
2:20
